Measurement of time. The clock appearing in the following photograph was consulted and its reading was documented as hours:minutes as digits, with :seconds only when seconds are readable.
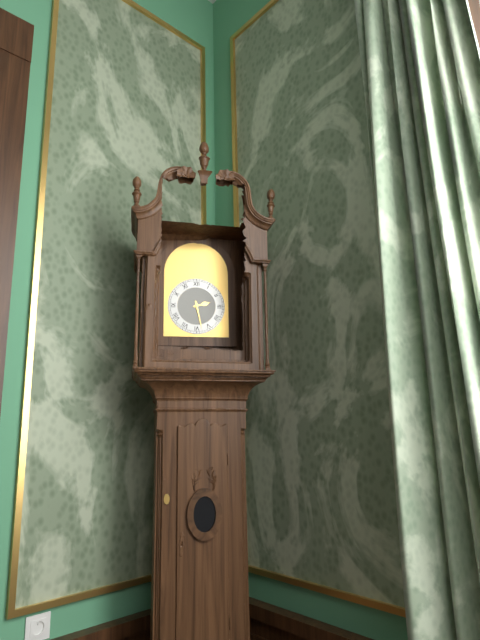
2:28
